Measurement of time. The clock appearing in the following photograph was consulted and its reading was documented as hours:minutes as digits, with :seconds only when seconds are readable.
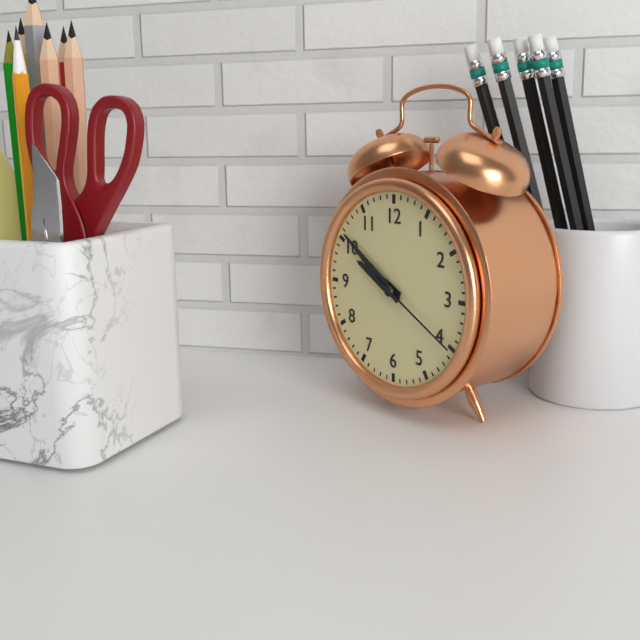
9:51:20
